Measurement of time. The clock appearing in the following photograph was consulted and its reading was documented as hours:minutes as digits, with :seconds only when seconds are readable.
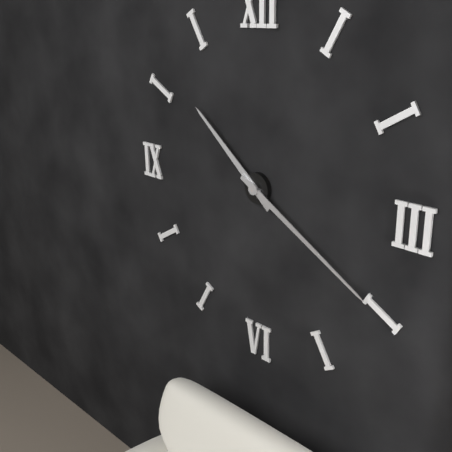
10:20
